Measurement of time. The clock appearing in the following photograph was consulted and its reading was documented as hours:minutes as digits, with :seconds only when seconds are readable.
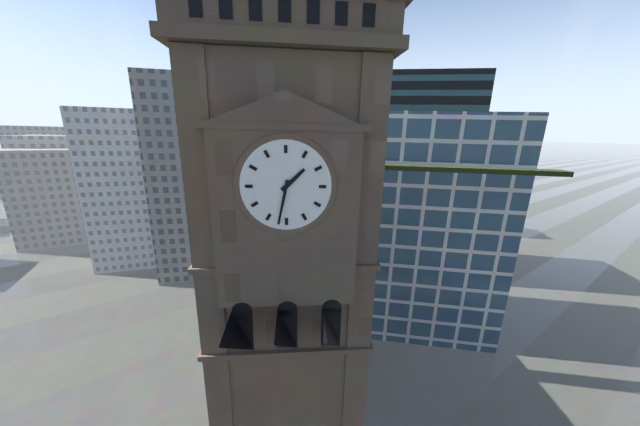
1:32
